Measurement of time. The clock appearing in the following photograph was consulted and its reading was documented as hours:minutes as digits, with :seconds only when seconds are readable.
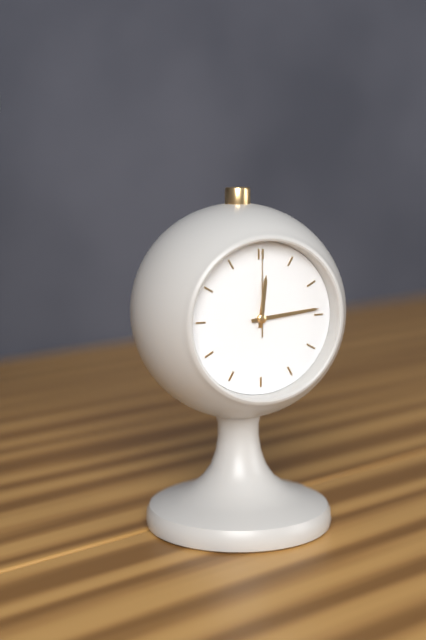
12:14:00
